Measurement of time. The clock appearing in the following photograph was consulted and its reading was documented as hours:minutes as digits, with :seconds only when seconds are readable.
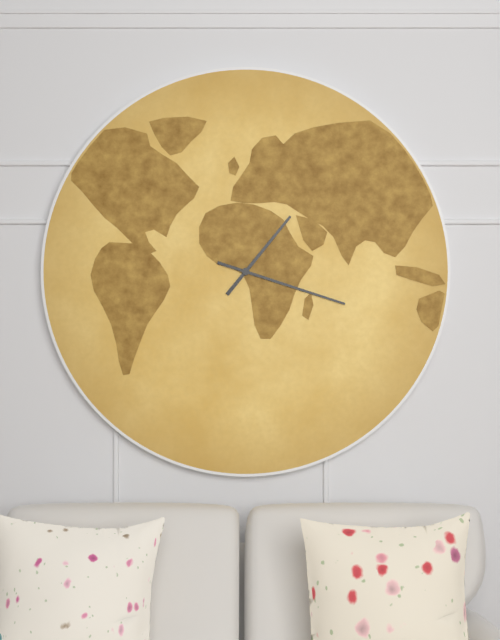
1:18
